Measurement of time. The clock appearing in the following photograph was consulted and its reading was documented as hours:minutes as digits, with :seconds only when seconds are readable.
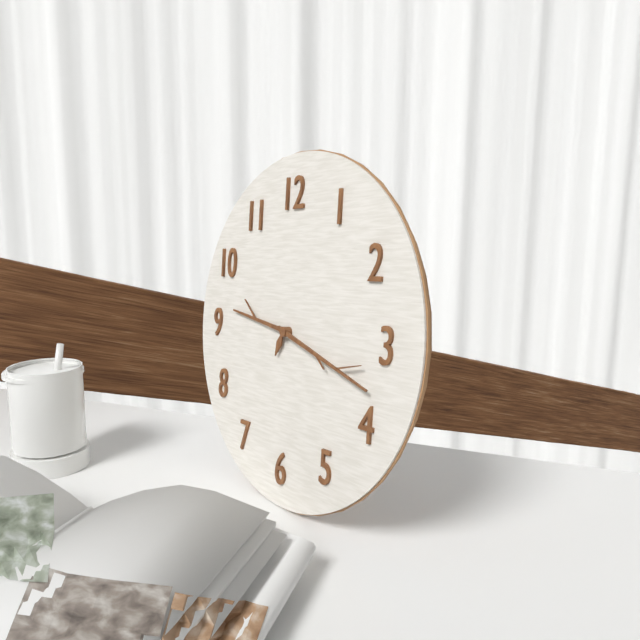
9:18
